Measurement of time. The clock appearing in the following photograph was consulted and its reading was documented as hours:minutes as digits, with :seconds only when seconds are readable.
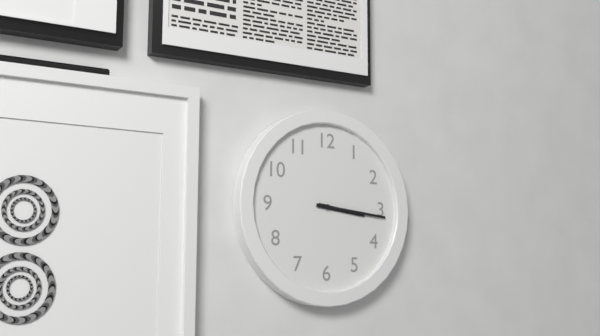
3:16
